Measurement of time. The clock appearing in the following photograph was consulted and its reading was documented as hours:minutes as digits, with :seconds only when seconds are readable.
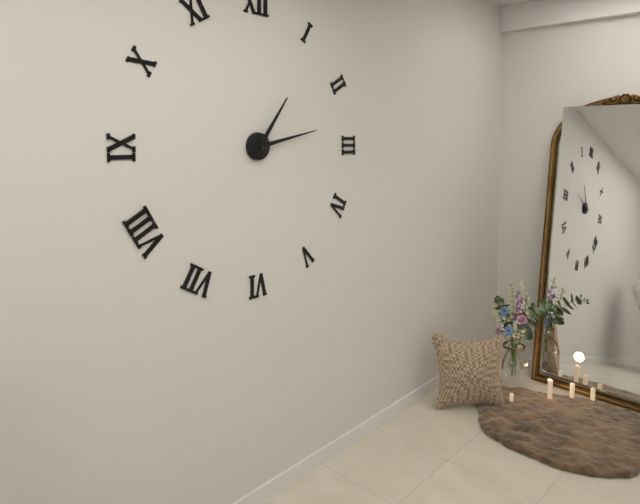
1:13
